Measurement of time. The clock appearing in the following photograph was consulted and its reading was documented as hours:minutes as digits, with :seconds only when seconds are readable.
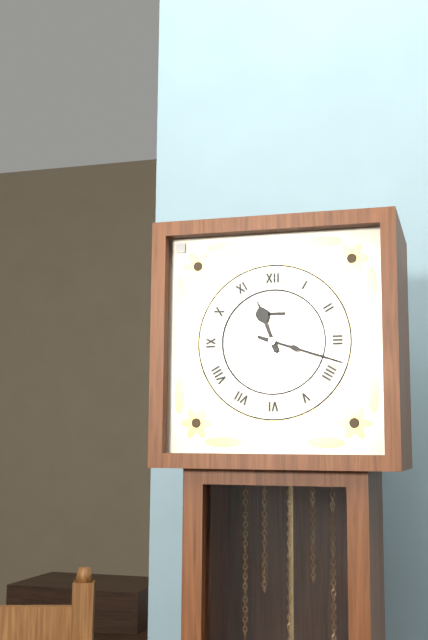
11:18
